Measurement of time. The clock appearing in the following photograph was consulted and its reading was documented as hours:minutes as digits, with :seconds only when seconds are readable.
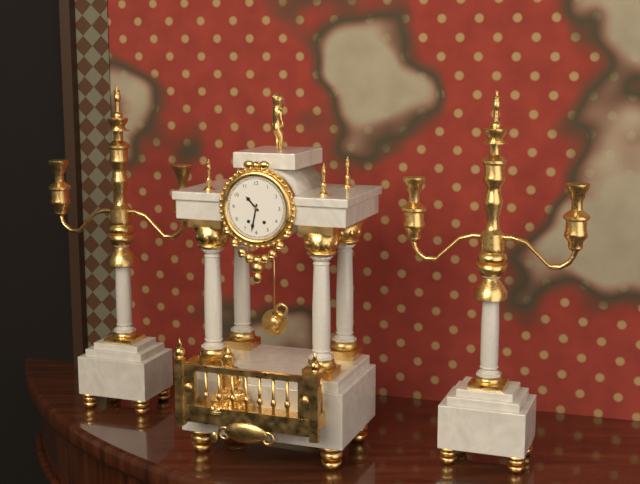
10:32
